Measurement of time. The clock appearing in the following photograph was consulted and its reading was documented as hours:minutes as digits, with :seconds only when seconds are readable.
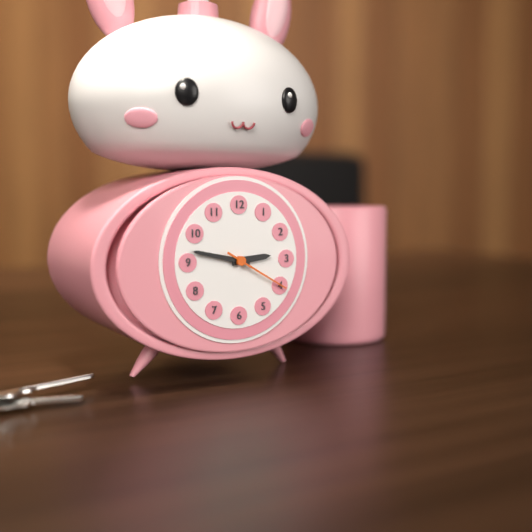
2:47:20
